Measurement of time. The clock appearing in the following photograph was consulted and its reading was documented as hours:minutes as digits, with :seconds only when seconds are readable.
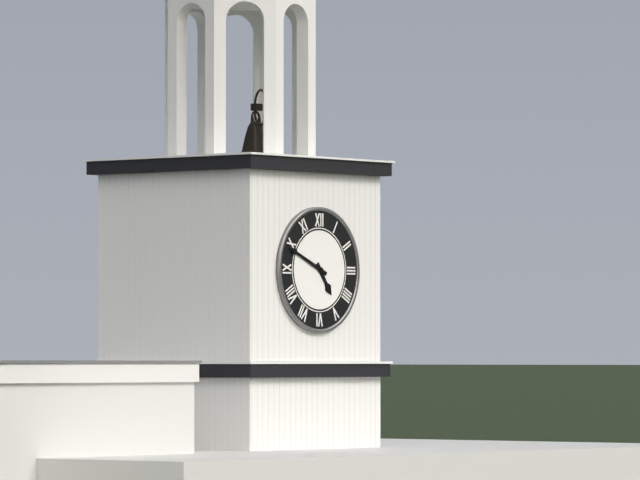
4:49
